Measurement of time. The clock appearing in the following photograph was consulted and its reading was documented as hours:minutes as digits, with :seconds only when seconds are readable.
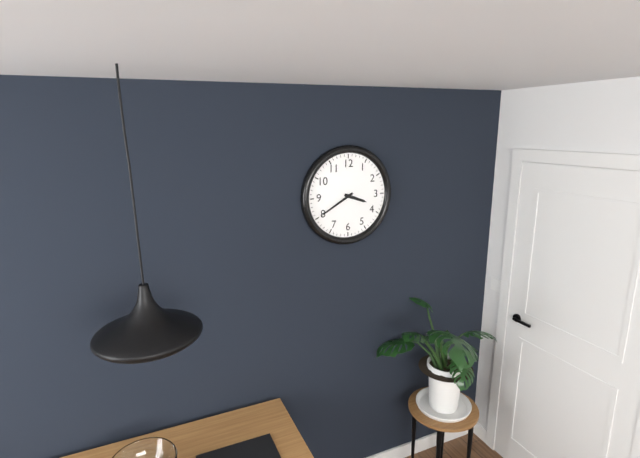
3:40
